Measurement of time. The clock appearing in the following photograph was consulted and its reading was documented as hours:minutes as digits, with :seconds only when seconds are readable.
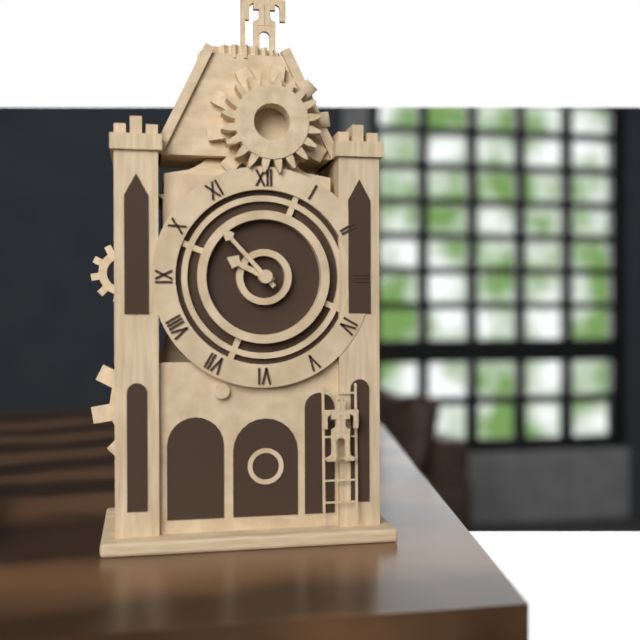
9:53
